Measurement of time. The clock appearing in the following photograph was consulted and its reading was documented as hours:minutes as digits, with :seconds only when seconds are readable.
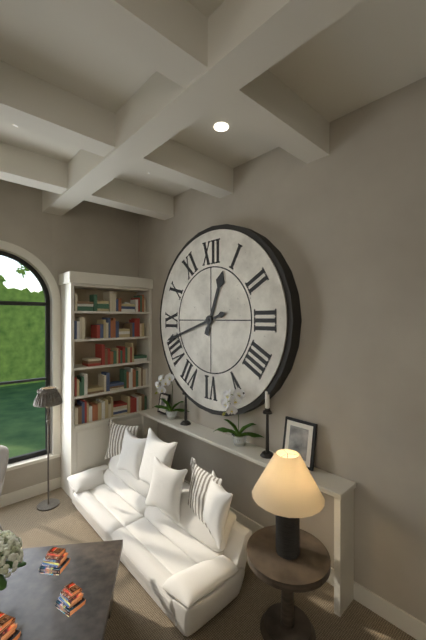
12:42
